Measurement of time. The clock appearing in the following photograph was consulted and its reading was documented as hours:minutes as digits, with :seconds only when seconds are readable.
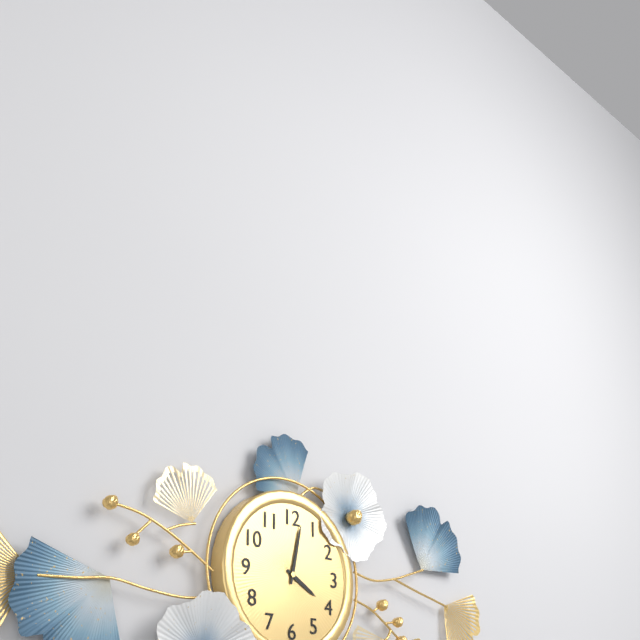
4:02
